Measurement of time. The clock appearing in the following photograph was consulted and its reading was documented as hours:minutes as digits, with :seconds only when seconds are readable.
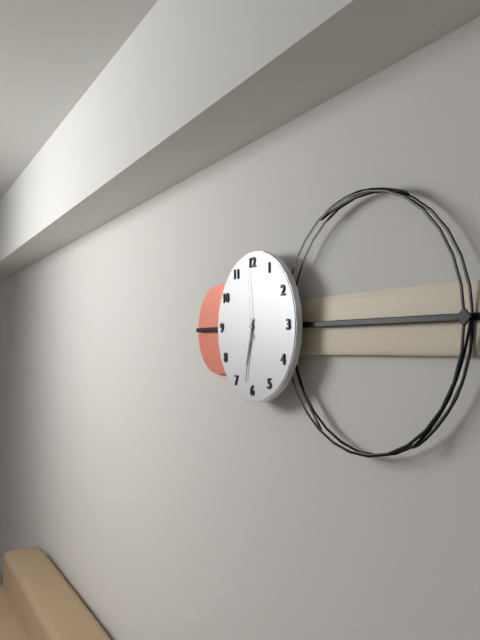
6:32:59
